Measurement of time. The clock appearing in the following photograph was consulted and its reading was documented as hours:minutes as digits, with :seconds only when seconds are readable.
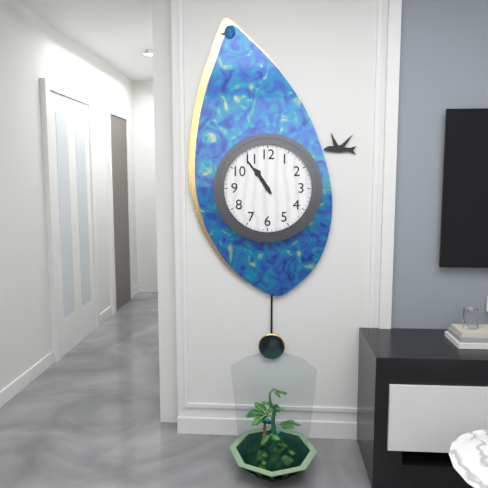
10:54
